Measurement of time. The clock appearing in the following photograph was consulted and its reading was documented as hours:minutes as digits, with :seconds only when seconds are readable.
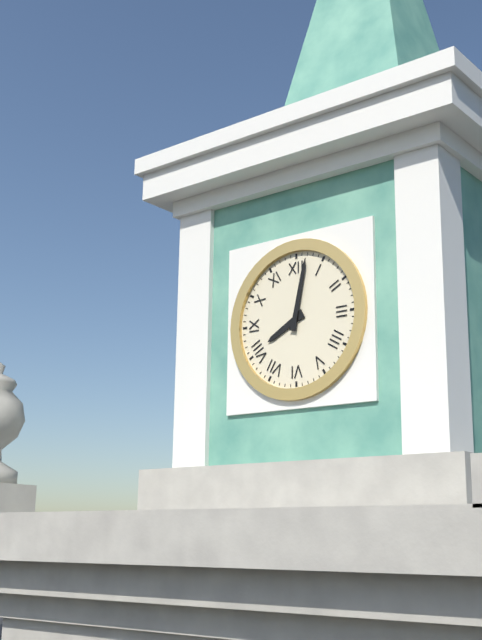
8:02
